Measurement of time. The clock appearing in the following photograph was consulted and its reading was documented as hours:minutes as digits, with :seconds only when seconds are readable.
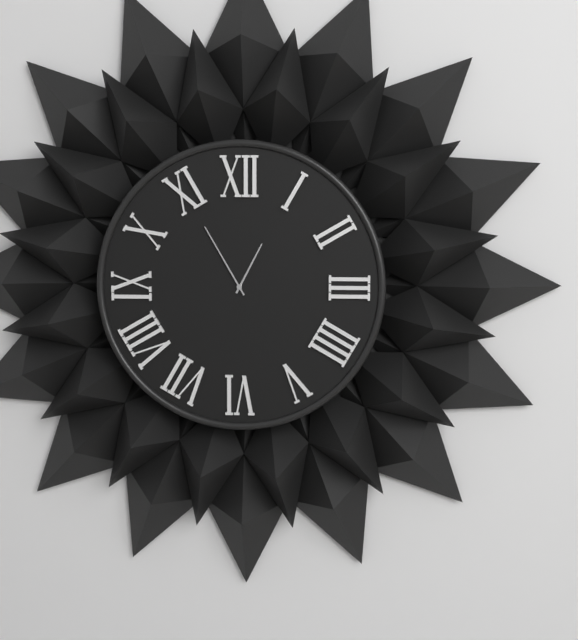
12:55
